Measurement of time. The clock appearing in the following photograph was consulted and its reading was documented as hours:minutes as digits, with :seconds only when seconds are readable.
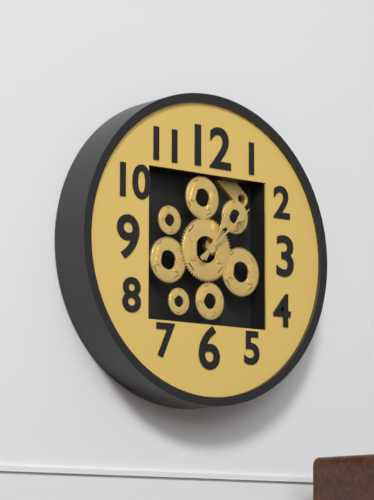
1:08
